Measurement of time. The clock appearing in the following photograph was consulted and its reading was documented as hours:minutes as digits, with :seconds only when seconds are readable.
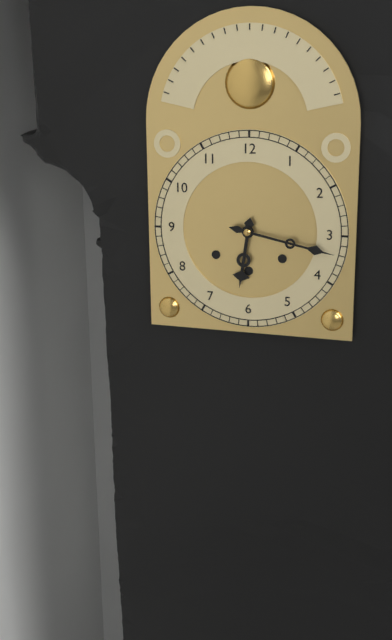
6:17
